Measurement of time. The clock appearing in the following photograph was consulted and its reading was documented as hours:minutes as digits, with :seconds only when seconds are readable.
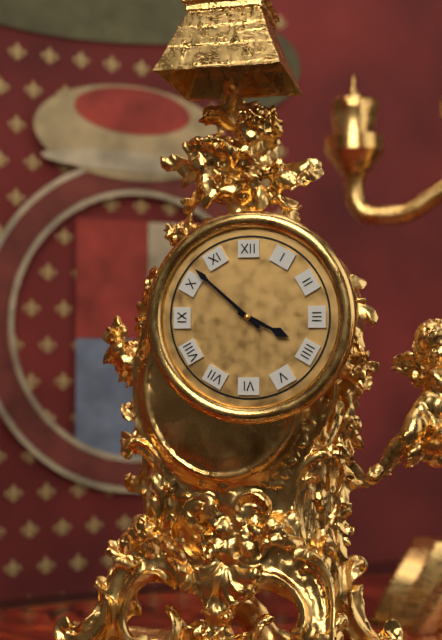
3:52
